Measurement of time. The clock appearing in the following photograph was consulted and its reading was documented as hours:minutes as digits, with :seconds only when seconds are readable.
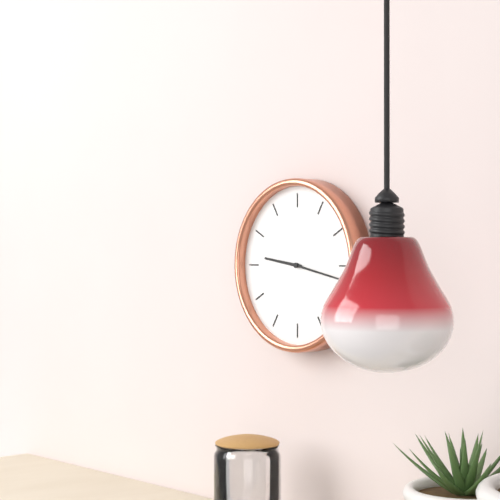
9:17
